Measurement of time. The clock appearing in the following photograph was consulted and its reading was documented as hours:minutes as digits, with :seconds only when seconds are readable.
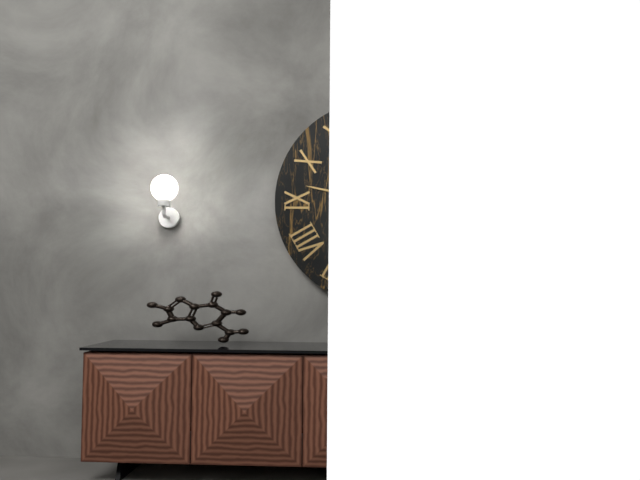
11:47
